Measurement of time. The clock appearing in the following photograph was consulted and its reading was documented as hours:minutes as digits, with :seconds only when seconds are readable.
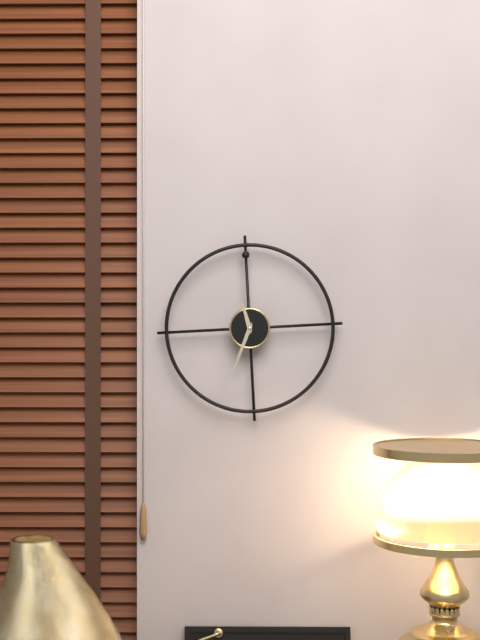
11:34
